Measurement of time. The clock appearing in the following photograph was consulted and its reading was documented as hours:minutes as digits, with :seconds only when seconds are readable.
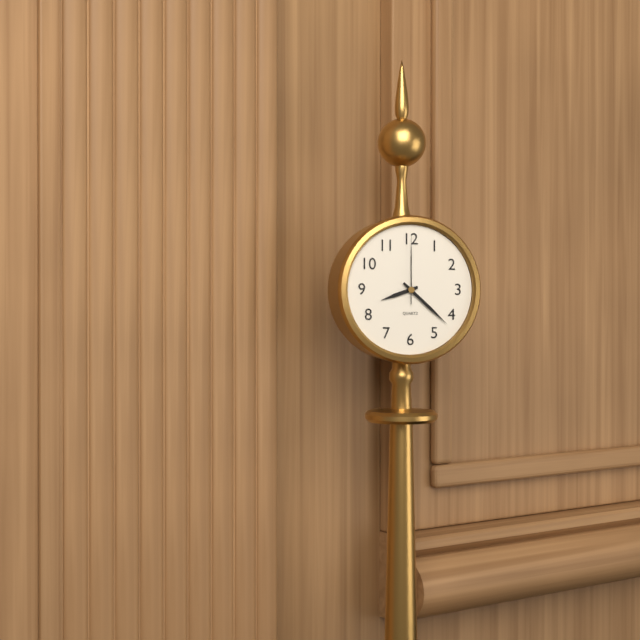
8:22:00
